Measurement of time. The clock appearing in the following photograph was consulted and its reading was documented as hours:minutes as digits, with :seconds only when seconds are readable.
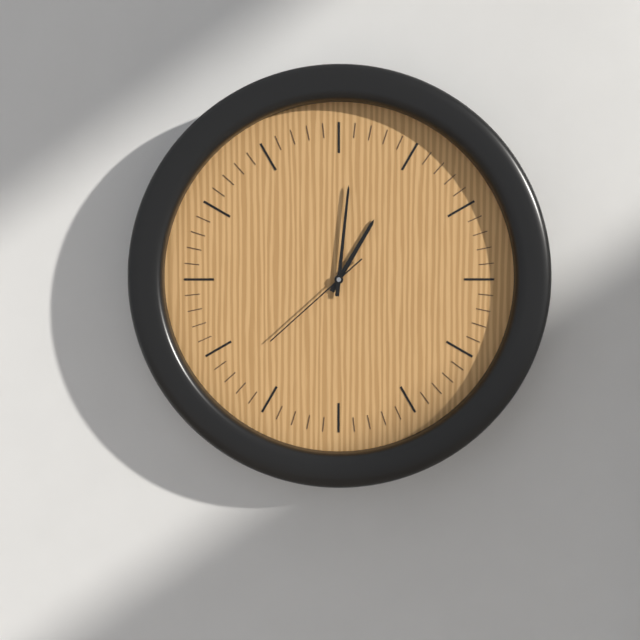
1:01:38
